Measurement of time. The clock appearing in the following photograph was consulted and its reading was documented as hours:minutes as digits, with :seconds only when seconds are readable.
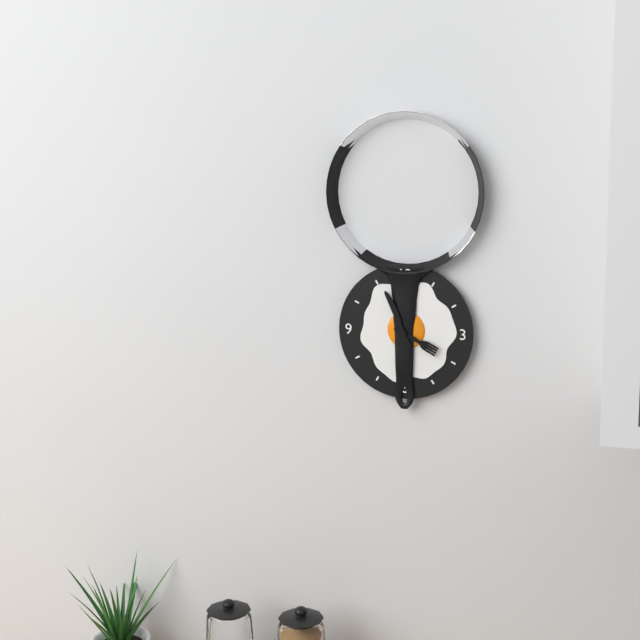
3:56
